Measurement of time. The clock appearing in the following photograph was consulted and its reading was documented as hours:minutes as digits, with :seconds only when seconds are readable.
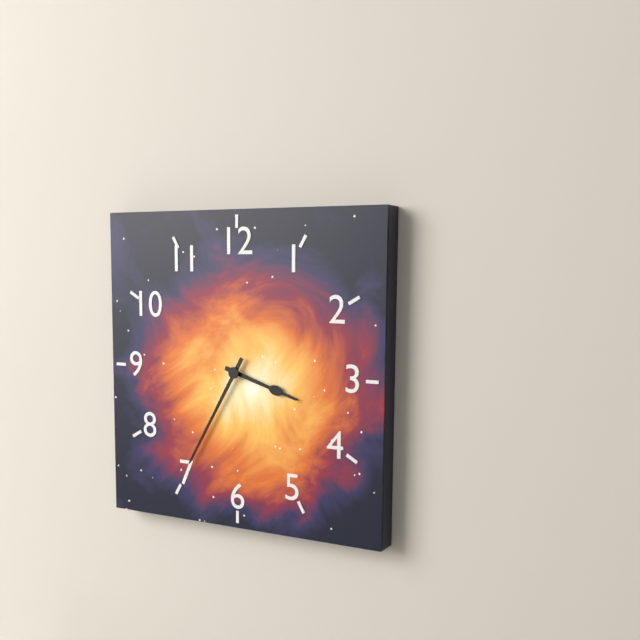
3:35
